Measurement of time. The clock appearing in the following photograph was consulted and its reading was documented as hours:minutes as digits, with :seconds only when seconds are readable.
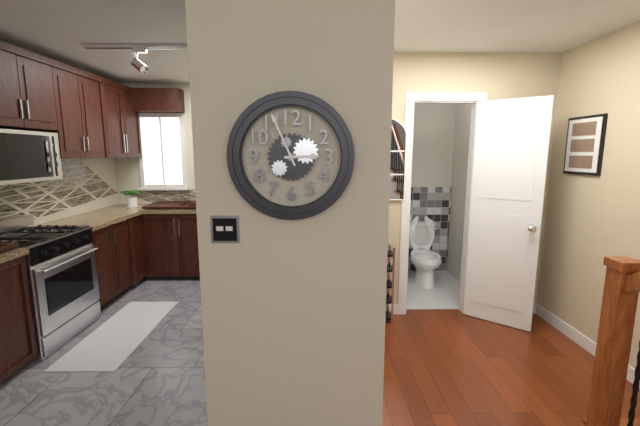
2:56
